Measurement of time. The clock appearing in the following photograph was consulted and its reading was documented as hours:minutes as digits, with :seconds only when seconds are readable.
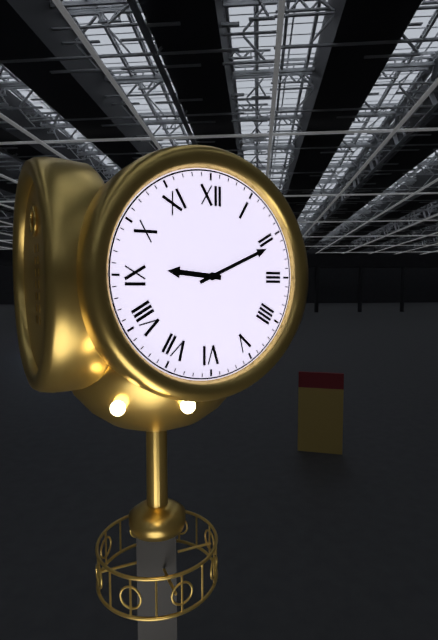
9:11
